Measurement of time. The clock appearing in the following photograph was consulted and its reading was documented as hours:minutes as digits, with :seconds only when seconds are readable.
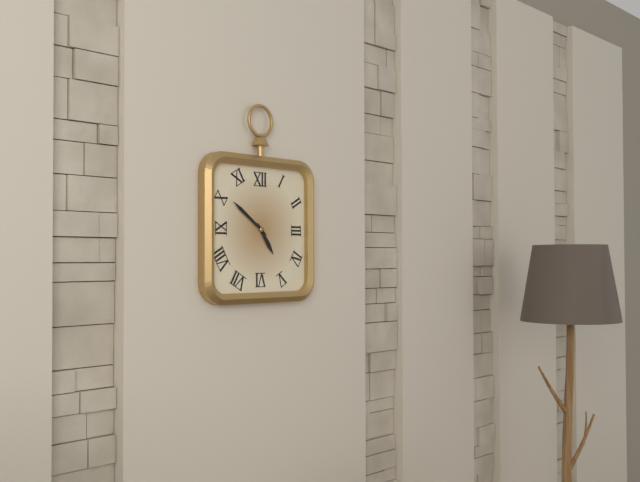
4:51
